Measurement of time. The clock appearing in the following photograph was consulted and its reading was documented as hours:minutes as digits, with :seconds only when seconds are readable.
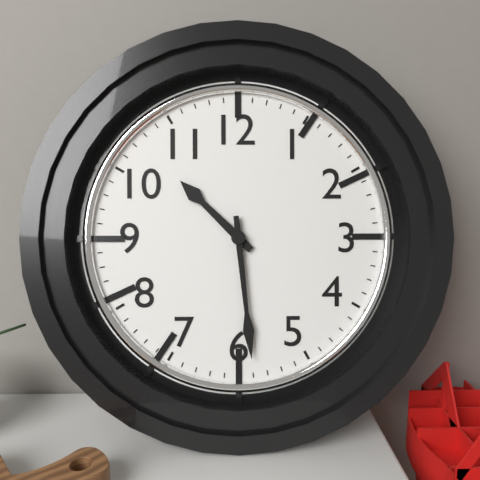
10:29
